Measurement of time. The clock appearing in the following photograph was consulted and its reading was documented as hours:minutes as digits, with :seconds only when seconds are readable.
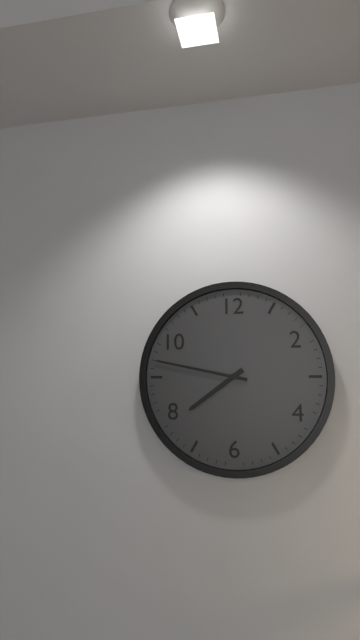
7:47
